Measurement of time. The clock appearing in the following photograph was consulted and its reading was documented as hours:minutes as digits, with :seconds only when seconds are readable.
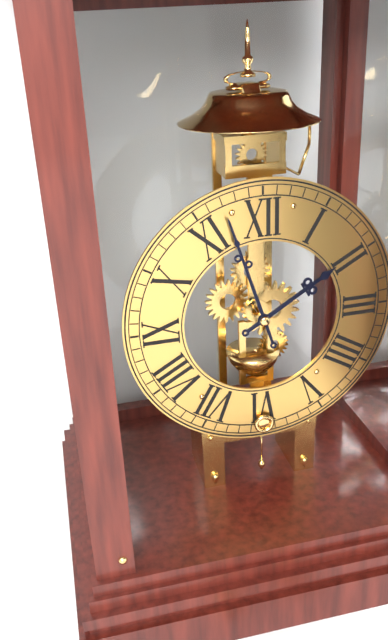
1:57
